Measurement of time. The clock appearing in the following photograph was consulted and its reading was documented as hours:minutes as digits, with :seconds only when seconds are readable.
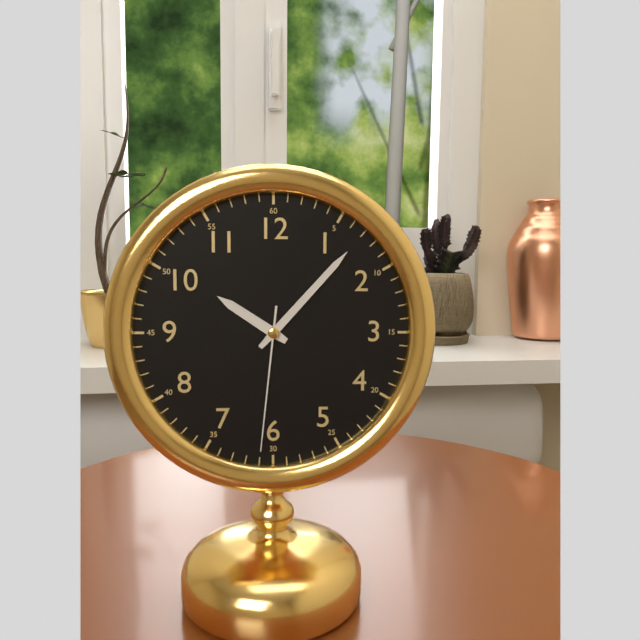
10:07:31
